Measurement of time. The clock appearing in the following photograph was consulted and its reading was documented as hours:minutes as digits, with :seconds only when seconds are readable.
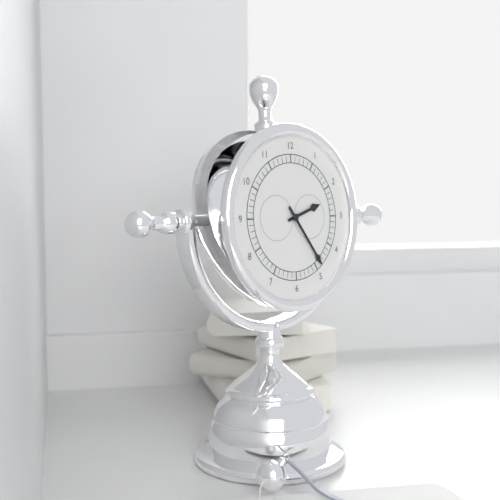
2:24
